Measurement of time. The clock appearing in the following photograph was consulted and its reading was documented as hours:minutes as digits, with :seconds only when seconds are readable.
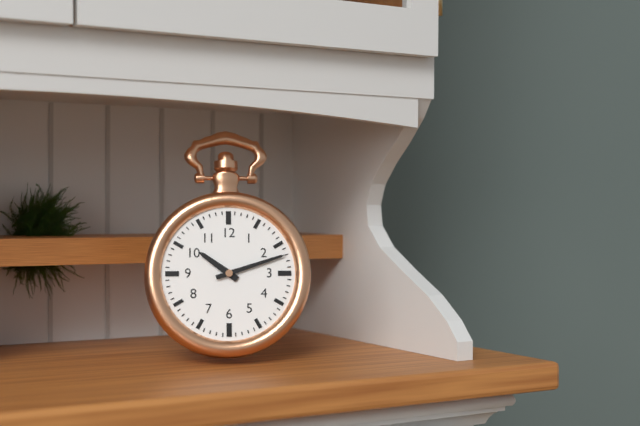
10:12
